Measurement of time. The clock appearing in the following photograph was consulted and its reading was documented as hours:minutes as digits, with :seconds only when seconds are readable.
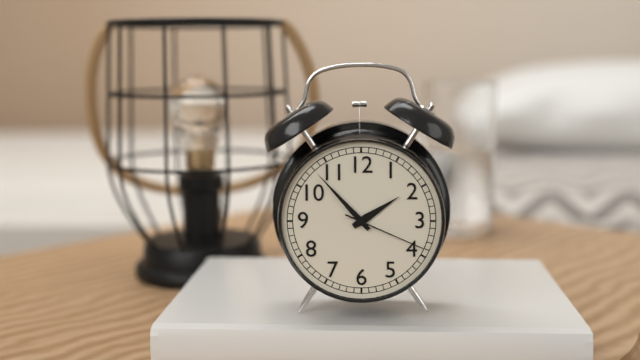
1:53:19
